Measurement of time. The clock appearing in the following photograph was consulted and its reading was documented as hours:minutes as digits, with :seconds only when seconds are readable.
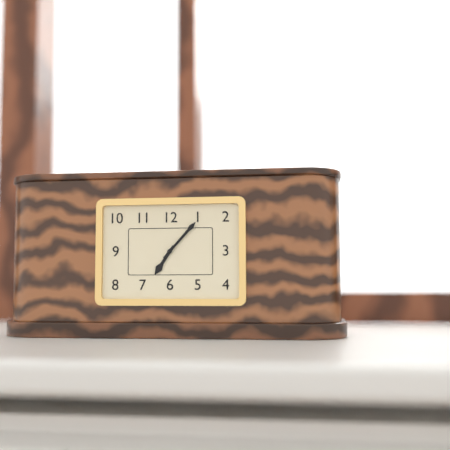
7:07
